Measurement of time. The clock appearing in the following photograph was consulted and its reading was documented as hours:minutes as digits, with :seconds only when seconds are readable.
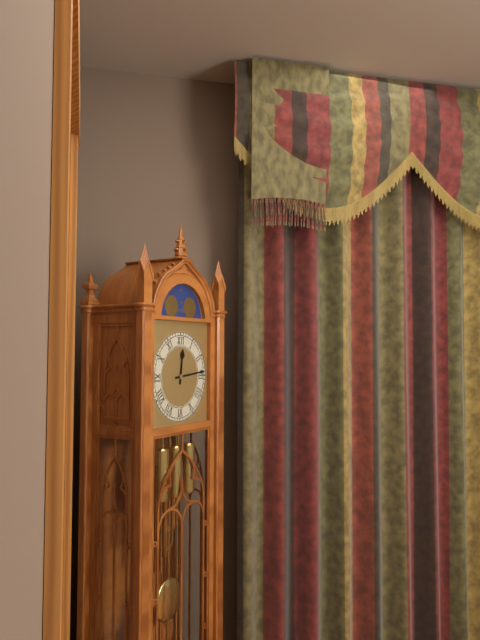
12:14
